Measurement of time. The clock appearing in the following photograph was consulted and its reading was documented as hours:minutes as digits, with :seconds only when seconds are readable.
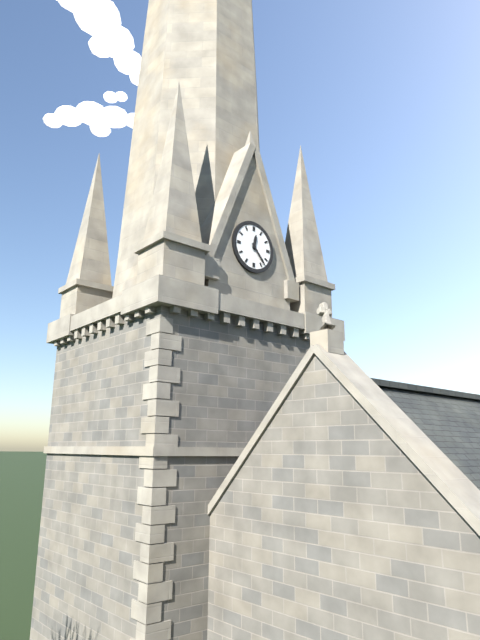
12:23
